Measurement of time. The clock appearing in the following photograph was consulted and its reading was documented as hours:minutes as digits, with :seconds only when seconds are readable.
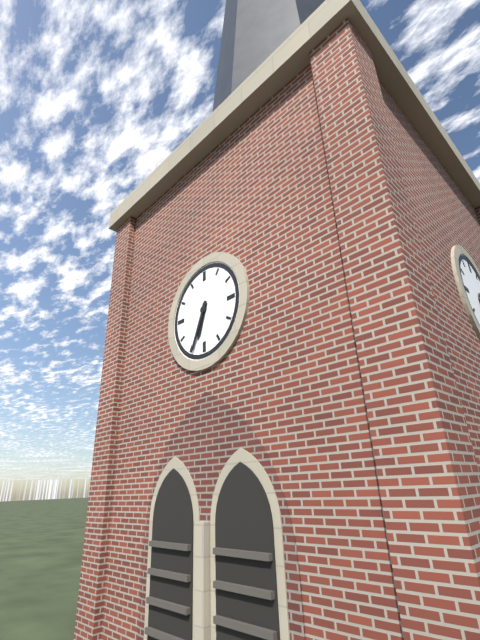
6:34
